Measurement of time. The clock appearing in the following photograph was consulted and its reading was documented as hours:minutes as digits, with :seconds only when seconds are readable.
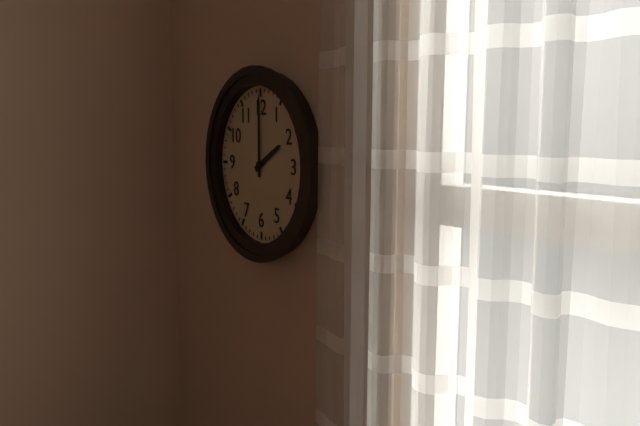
2:00
